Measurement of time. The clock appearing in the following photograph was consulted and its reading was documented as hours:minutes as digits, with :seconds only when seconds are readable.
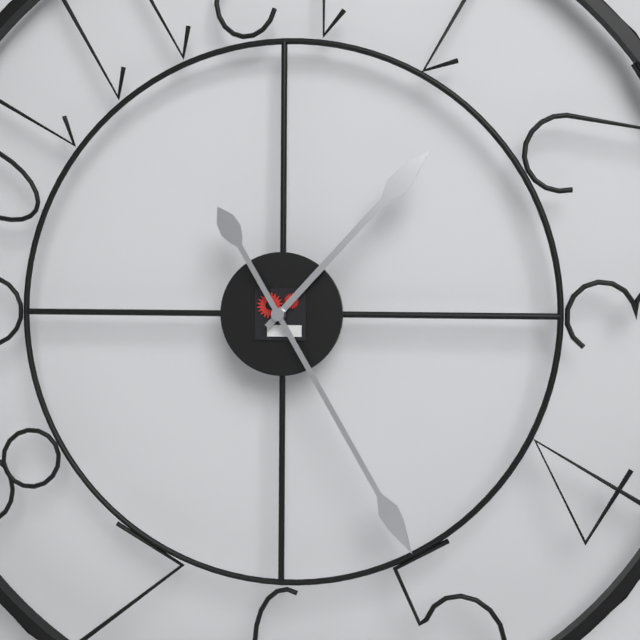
1:25
